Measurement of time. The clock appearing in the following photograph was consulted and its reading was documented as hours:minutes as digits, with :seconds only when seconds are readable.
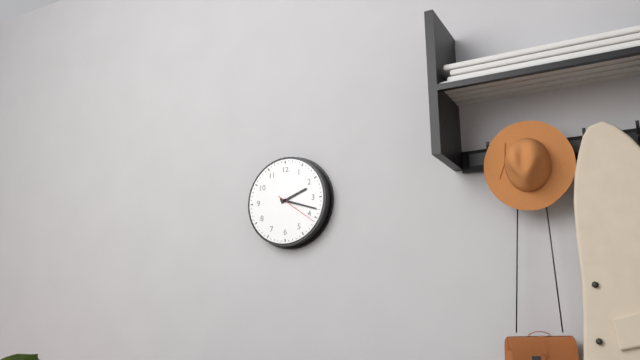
2:18
